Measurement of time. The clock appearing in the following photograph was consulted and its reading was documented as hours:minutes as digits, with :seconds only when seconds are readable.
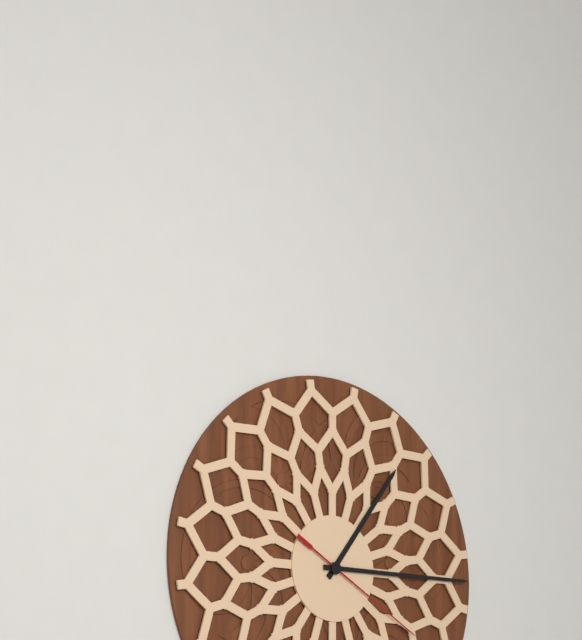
1:15:20
